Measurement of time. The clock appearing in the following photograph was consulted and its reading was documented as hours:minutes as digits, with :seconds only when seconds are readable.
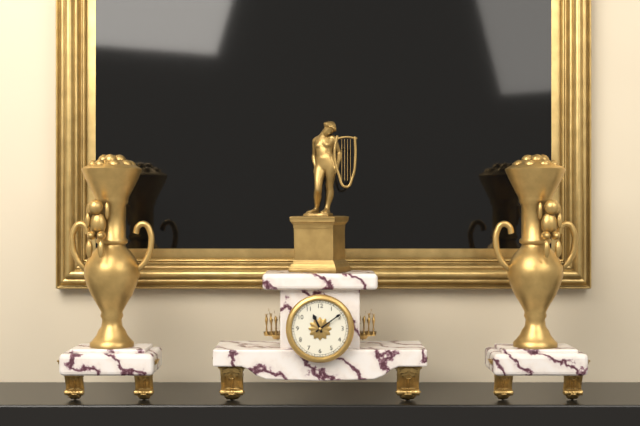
11:09
